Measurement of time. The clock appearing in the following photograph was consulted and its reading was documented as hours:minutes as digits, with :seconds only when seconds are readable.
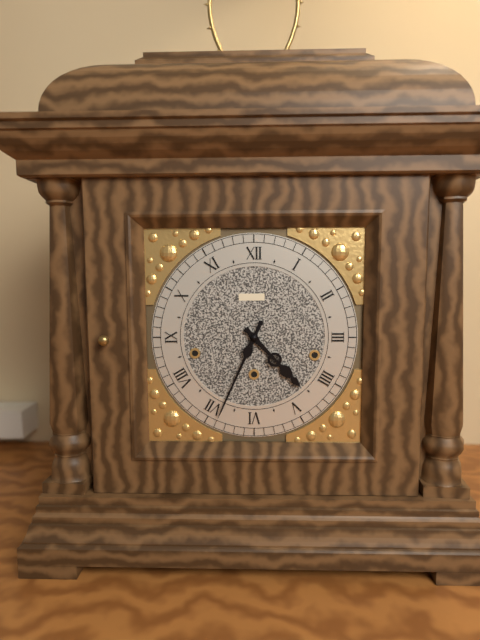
4:34
